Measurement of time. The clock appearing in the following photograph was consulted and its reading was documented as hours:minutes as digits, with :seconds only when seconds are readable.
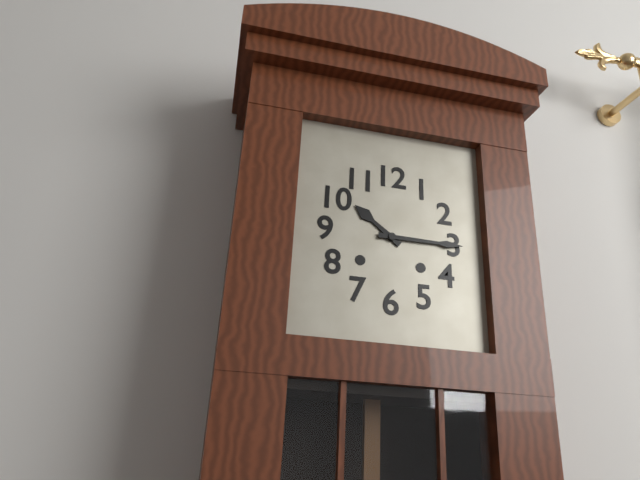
10:15
